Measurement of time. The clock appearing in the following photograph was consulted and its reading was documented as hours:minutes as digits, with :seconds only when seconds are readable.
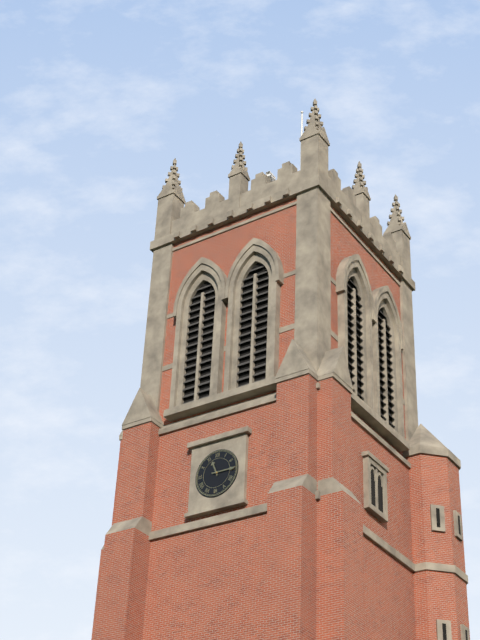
11:15
